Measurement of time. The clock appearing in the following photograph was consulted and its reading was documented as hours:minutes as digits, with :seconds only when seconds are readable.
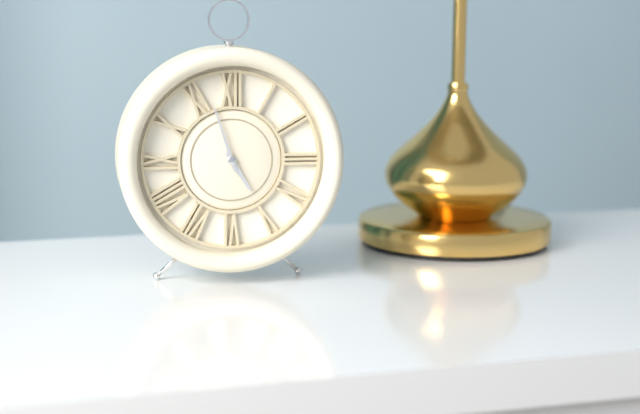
4:57
